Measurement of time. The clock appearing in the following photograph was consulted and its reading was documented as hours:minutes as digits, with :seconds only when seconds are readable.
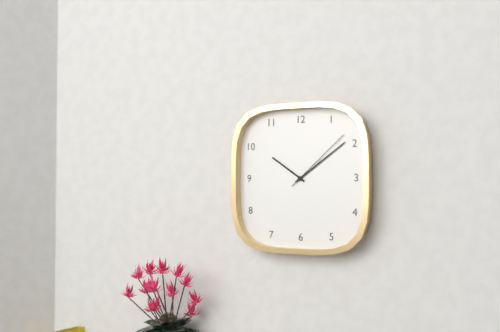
10:09:08
